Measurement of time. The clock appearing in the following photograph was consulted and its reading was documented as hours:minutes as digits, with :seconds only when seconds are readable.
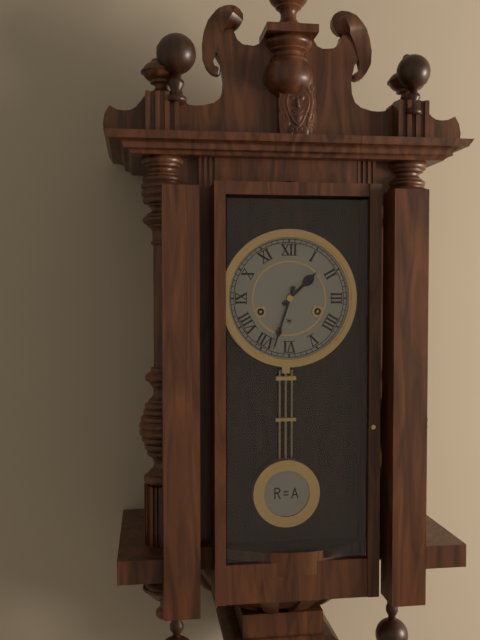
1:33
